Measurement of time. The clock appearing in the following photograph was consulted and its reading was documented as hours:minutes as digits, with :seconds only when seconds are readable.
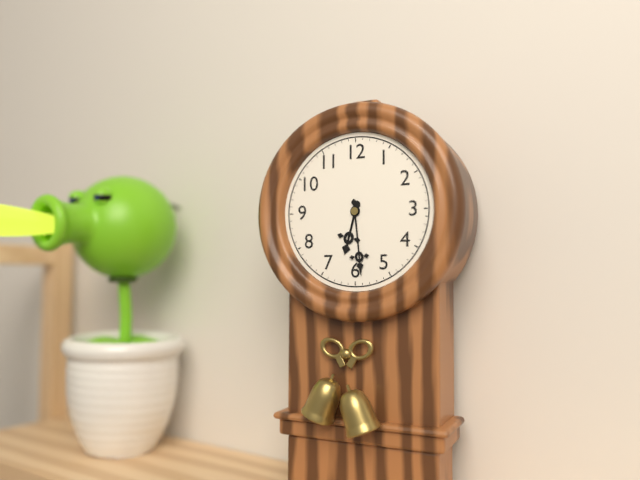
6:29
